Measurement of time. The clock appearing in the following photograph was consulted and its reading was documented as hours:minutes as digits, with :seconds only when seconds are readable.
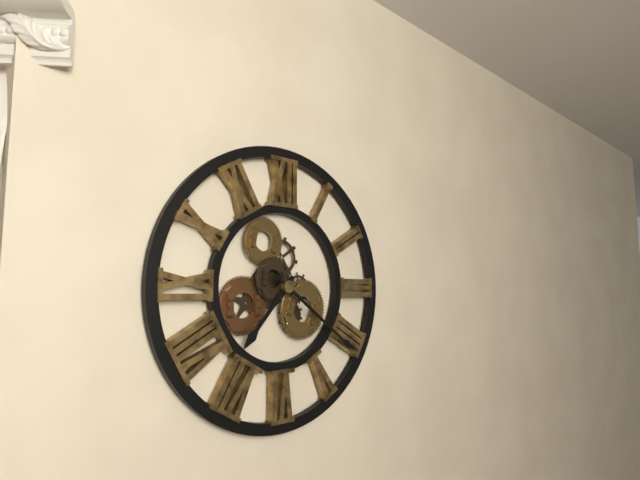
7:21
